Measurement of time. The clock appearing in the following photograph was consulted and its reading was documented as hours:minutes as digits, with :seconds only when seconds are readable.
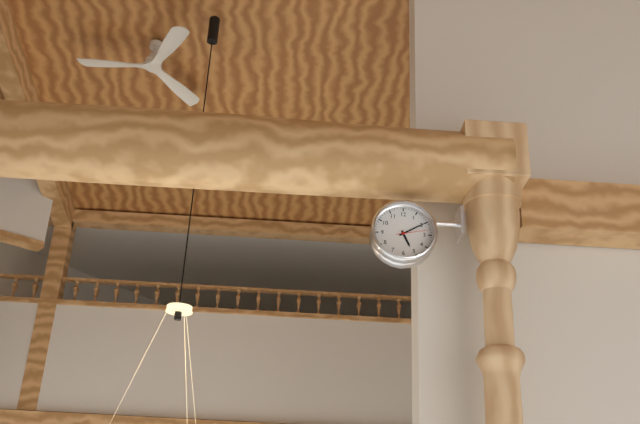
5:10
